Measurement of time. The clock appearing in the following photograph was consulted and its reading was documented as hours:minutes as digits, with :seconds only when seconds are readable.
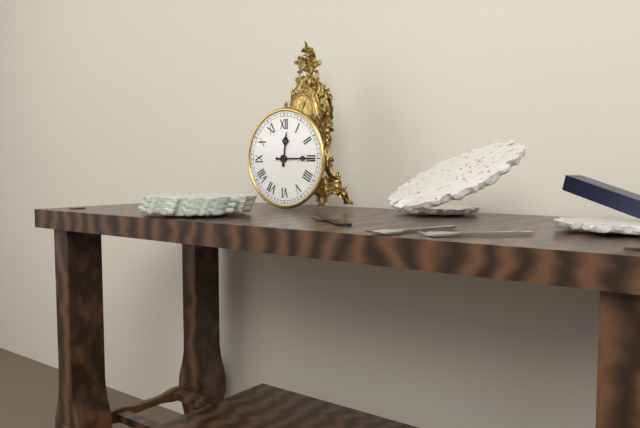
12:15
